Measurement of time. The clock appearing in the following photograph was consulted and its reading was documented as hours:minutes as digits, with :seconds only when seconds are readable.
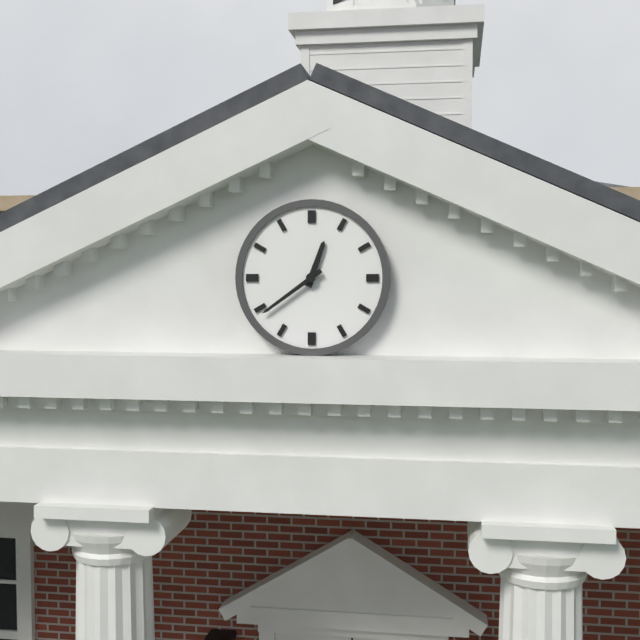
12:39
